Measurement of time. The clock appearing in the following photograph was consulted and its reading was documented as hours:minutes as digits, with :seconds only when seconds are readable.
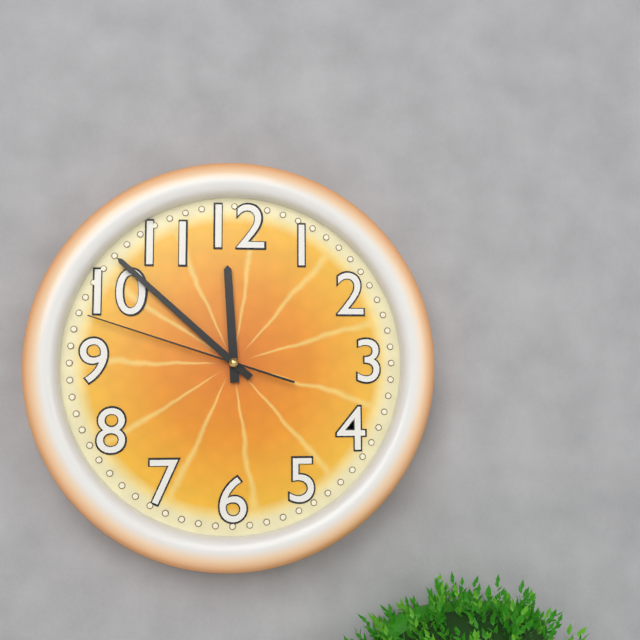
11:52:48
